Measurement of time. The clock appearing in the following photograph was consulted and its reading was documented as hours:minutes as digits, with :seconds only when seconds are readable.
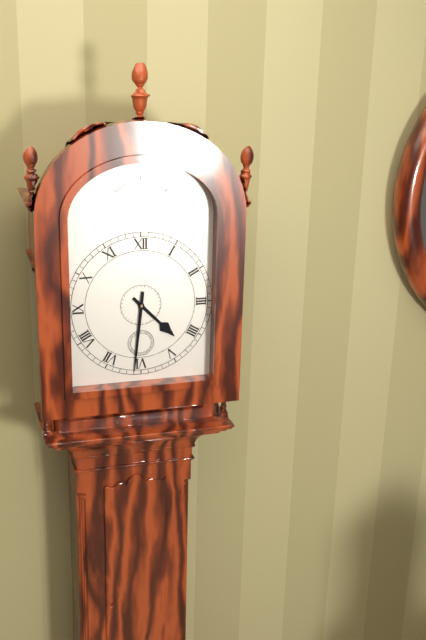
4:31
